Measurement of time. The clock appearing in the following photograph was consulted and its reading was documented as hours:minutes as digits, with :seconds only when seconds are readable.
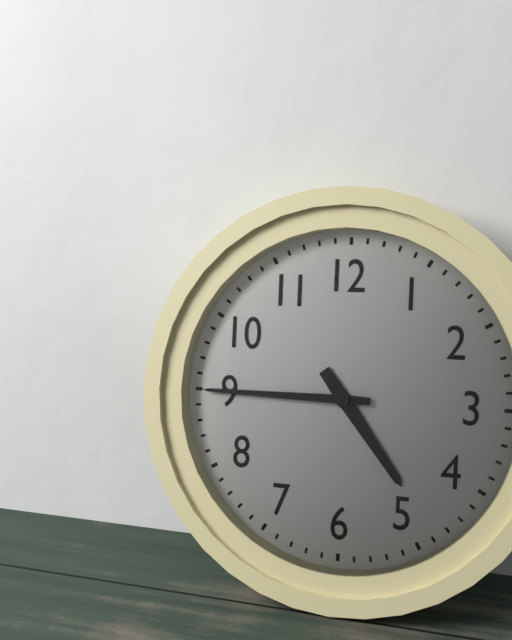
4:45
